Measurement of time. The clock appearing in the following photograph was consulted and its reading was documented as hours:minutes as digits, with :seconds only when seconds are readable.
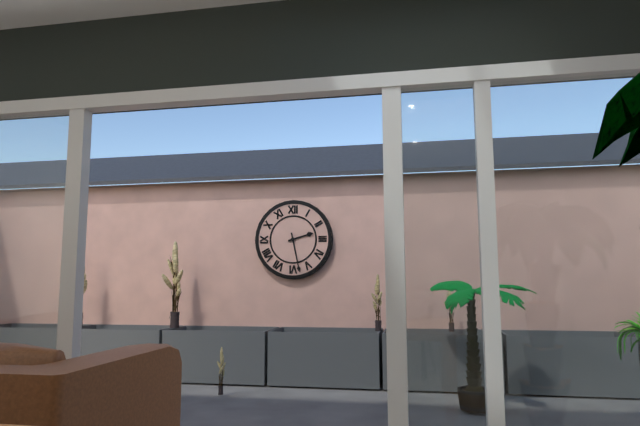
2:28
